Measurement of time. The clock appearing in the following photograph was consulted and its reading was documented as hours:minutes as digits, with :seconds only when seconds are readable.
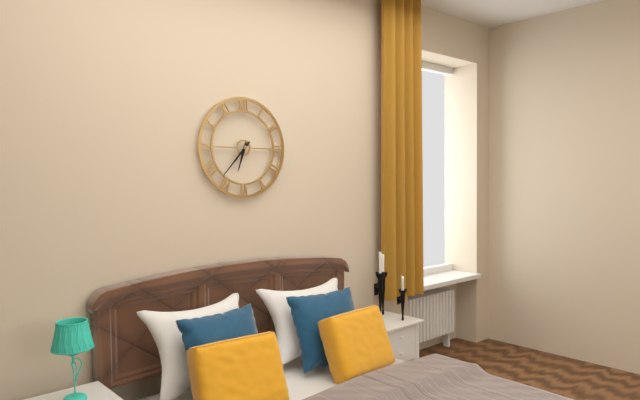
6:37
